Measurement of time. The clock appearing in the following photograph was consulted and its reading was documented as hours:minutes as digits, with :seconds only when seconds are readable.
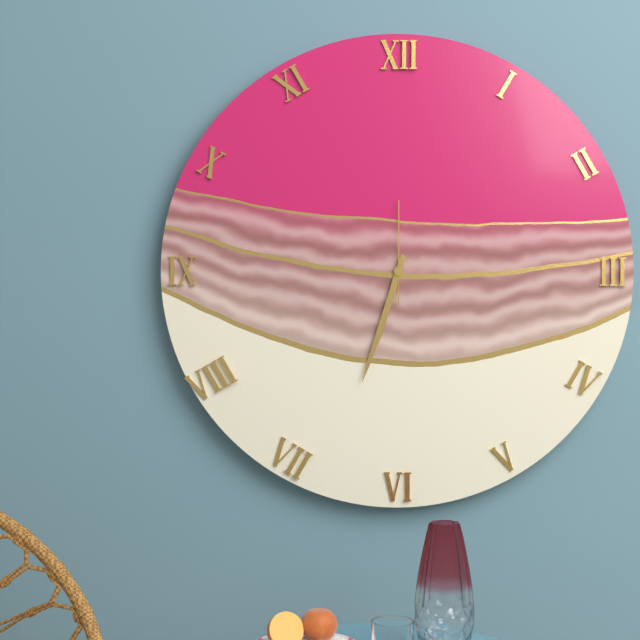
6:33:00
